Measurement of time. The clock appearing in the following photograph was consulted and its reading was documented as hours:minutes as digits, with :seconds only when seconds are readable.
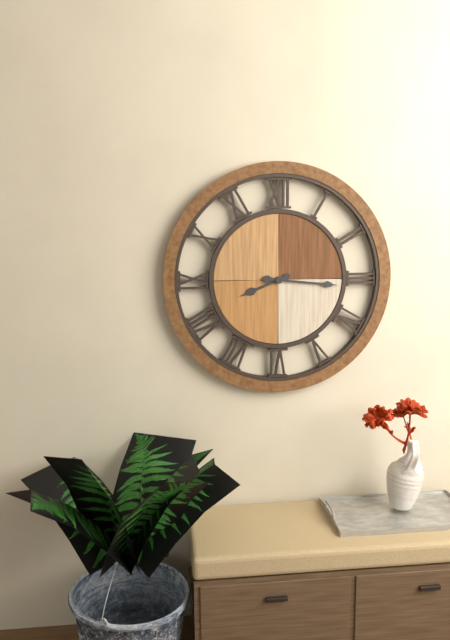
8:16
